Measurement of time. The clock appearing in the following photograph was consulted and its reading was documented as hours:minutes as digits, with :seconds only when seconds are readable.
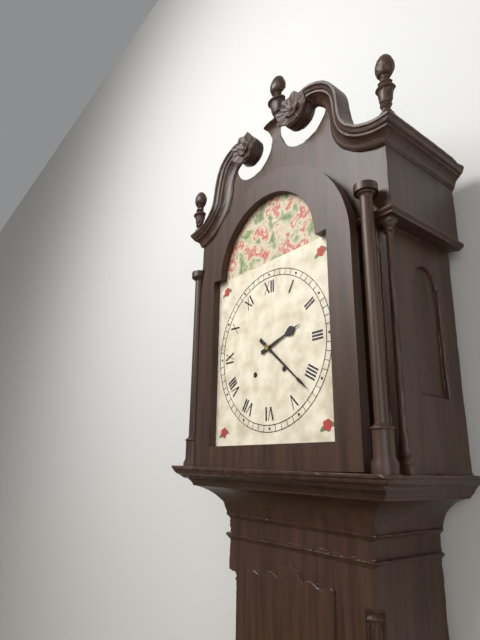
2:22
